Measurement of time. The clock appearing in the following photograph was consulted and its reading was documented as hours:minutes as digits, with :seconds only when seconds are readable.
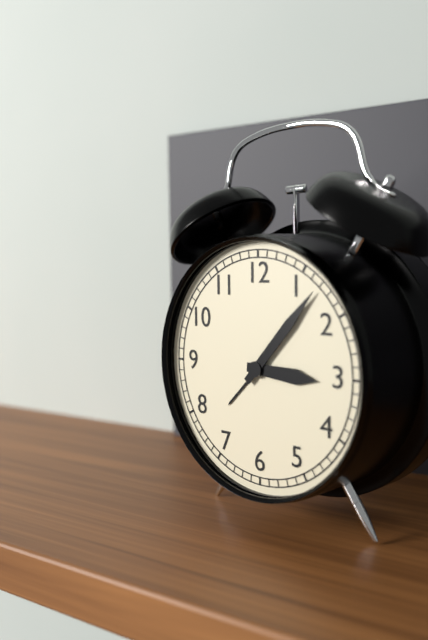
3:07
